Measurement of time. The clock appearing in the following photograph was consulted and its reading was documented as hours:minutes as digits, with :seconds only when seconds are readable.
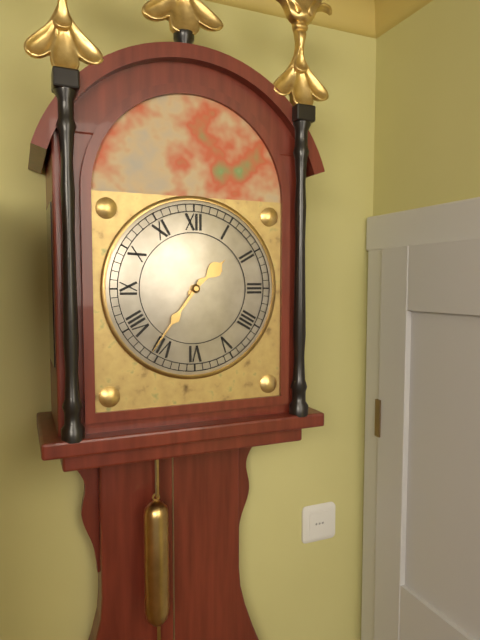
1:36
